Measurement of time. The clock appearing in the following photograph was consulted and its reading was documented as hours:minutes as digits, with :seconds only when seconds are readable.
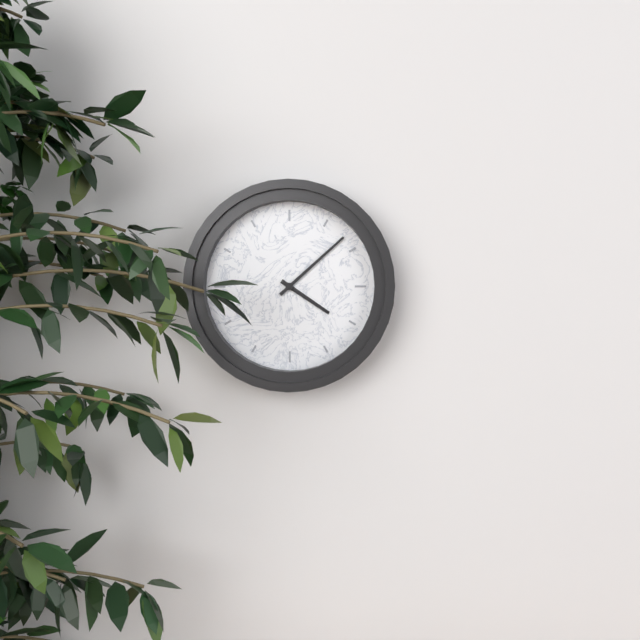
4:08
